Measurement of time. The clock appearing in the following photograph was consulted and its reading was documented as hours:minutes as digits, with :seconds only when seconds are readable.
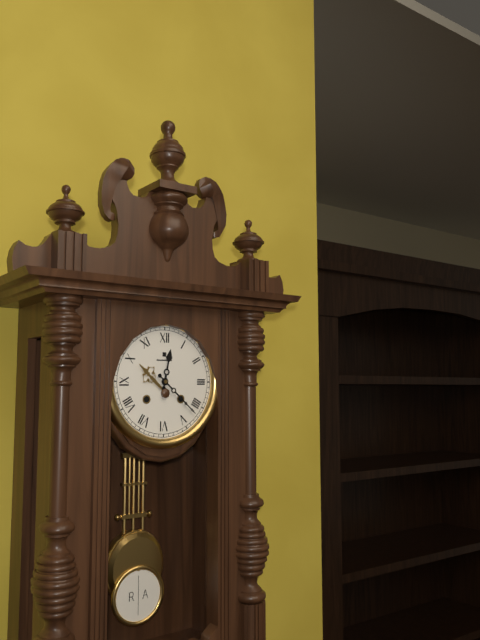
12:22
